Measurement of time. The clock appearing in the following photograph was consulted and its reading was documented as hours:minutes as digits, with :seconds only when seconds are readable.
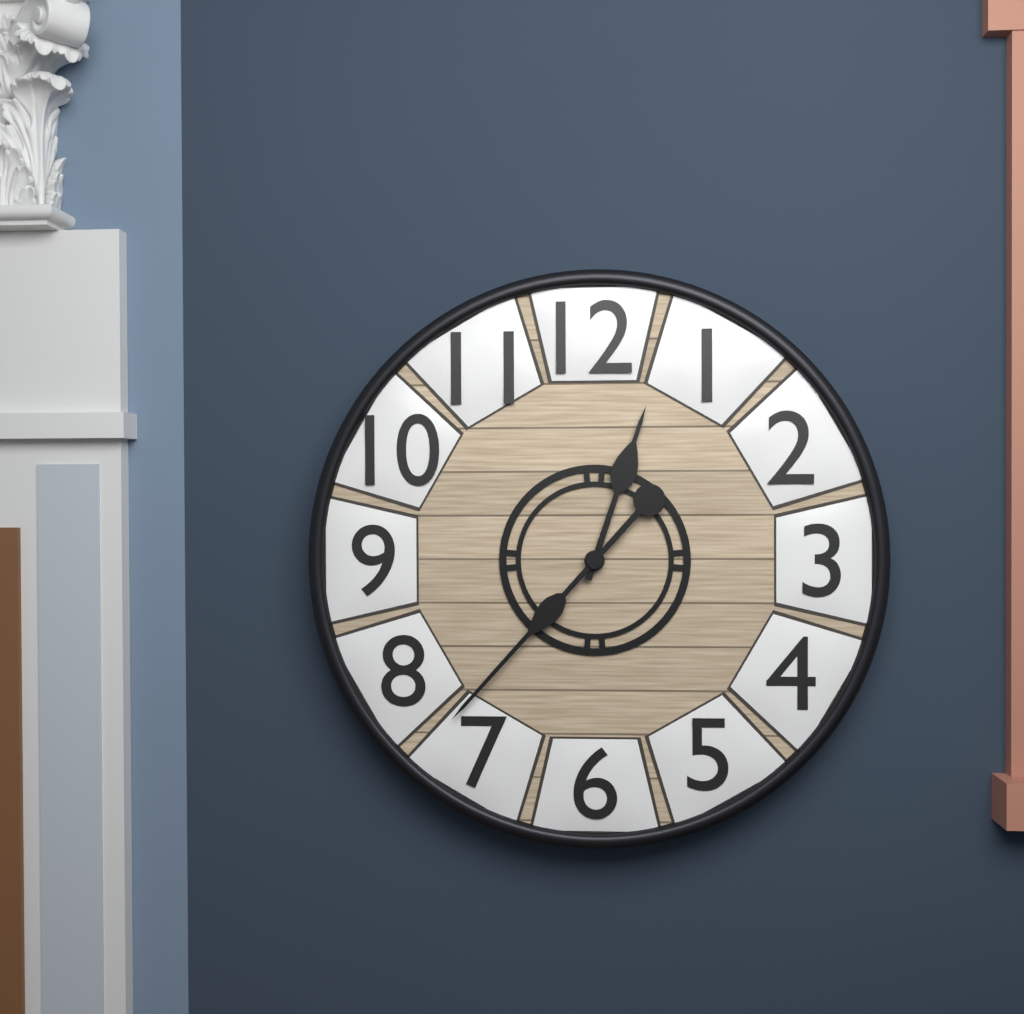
12:37
